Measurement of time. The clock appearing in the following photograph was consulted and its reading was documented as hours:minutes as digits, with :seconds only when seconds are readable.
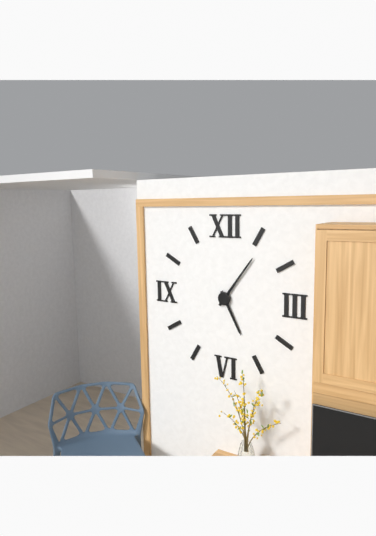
5:06
